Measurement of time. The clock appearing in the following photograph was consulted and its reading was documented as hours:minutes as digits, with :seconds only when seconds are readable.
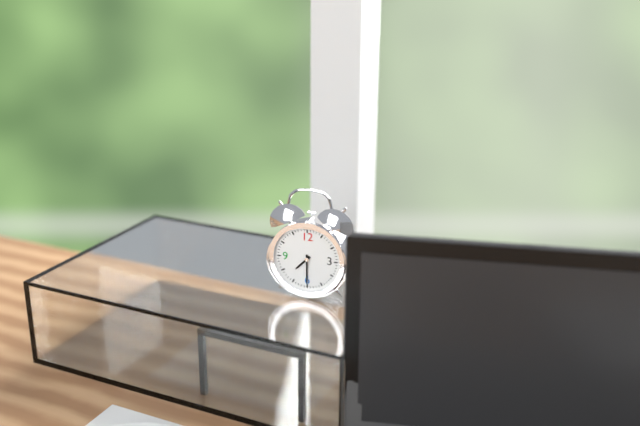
7:30
